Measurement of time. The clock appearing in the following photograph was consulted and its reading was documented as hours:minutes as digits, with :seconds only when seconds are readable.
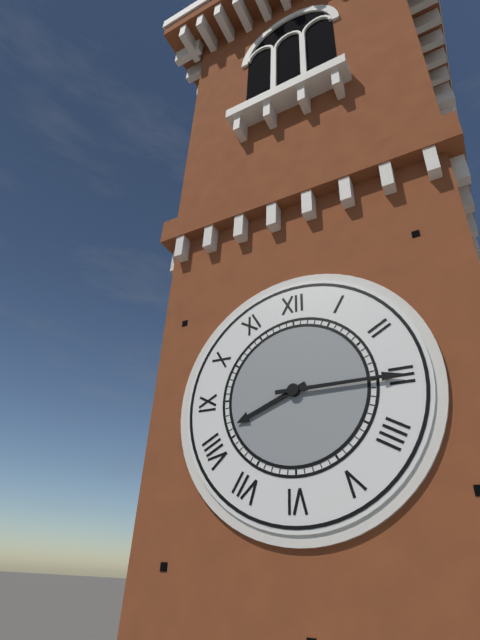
8:15
